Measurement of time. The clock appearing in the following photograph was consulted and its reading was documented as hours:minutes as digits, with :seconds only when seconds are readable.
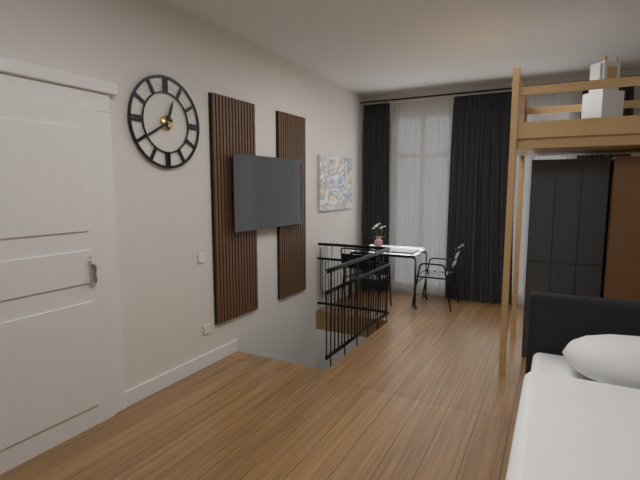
12:40
